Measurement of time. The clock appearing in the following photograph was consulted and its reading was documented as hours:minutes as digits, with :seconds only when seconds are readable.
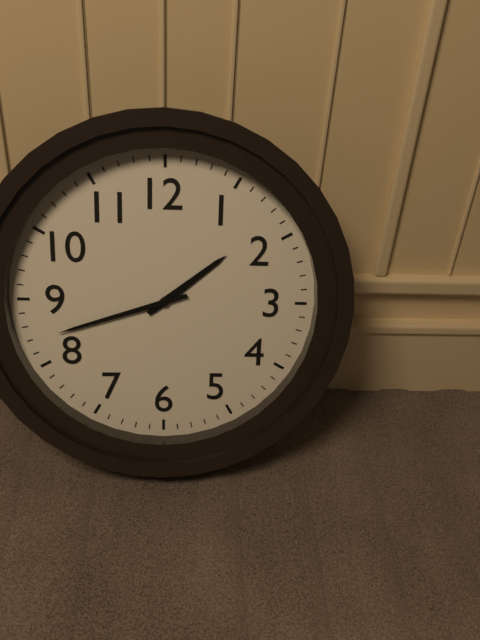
1:42
